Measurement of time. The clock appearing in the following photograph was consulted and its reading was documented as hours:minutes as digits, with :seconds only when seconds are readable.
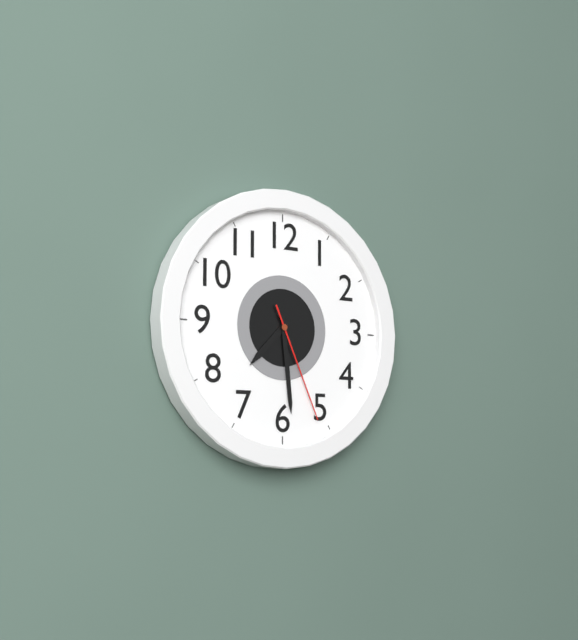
7:29:26
